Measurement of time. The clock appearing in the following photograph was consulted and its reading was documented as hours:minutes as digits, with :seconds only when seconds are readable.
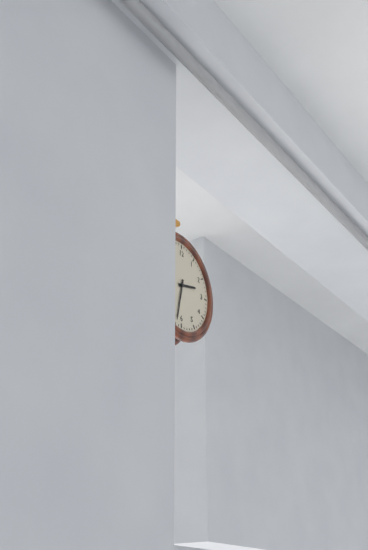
2:32
